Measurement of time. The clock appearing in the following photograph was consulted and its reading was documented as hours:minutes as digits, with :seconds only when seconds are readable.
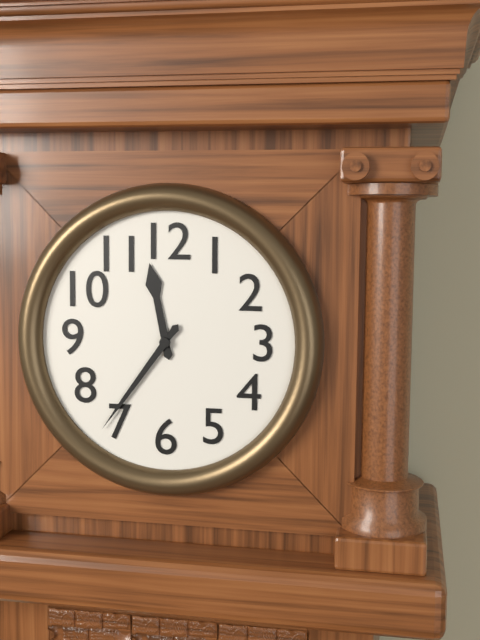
11:36
